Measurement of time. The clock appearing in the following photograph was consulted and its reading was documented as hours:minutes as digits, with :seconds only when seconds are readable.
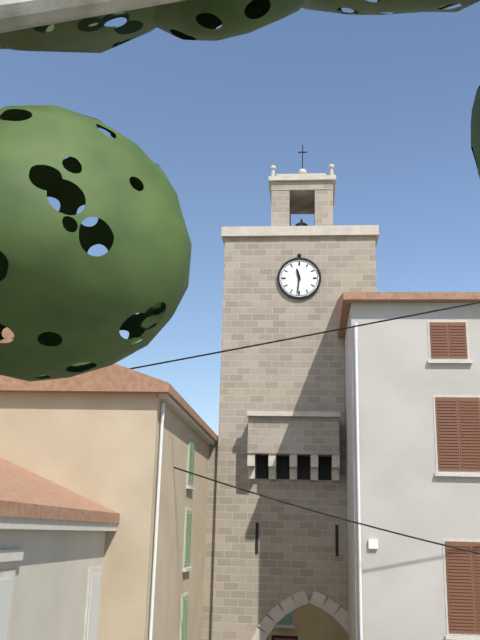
11:31
